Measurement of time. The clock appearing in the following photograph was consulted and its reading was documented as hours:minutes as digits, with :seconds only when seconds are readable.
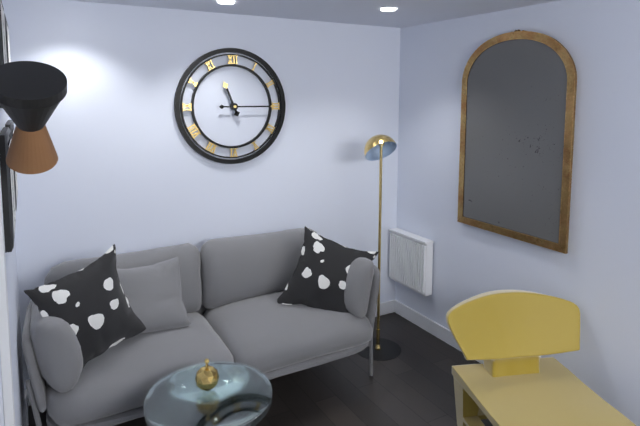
11:15
